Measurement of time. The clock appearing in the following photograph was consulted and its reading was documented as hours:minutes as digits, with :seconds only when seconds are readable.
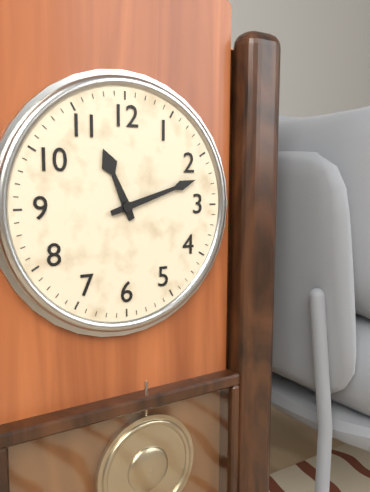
11:12
